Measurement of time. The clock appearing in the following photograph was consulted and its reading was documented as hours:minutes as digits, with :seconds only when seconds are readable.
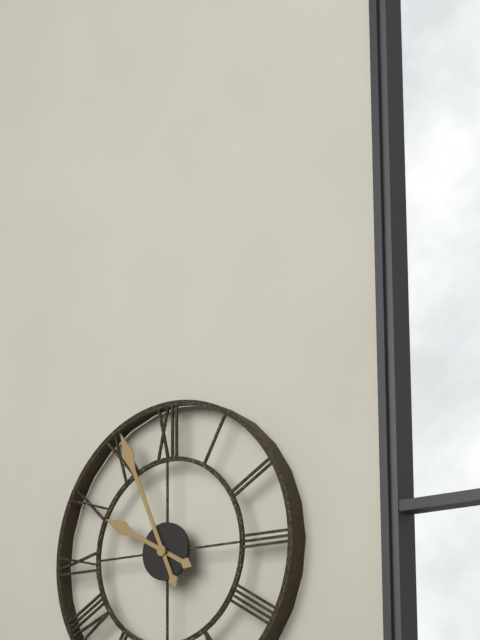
9:56
